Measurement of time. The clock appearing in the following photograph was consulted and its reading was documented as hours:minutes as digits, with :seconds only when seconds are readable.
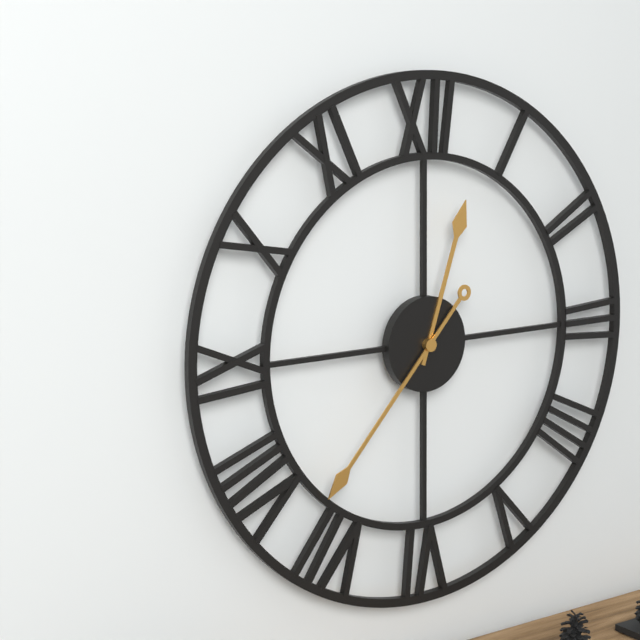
12:37
